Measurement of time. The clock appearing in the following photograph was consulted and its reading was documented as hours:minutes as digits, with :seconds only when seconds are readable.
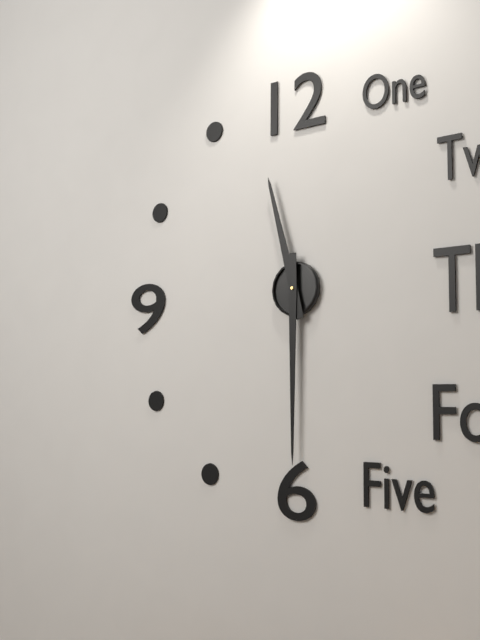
11:30
